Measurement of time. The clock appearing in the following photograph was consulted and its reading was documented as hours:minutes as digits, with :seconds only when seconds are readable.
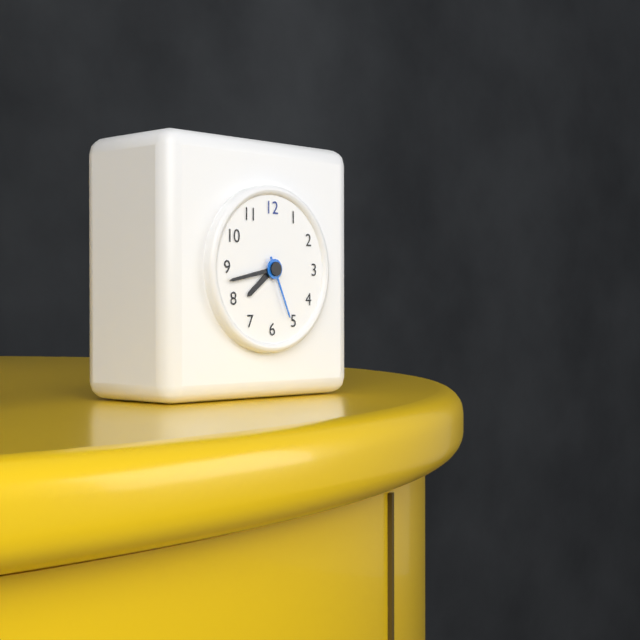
7:43:26
